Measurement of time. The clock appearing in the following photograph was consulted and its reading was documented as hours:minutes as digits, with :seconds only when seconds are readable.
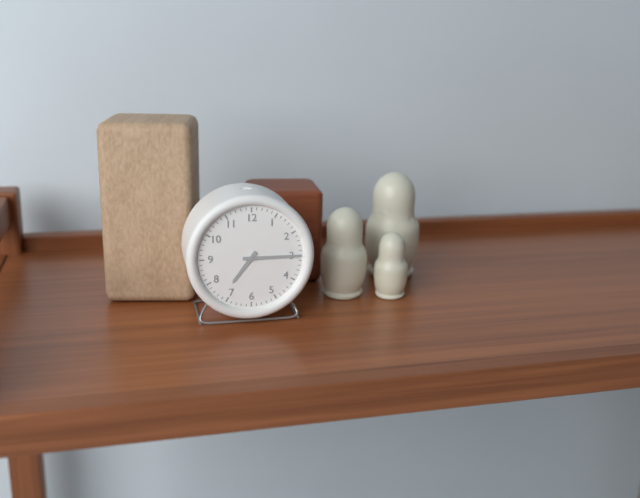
7:15
